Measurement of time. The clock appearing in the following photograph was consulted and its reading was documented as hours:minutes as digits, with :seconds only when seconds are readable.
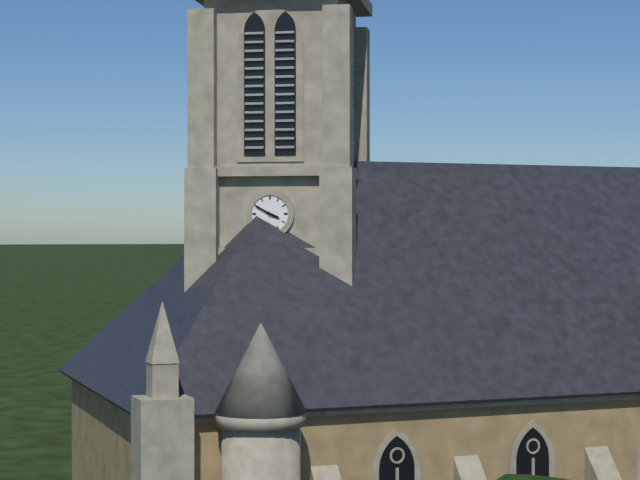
3:50
